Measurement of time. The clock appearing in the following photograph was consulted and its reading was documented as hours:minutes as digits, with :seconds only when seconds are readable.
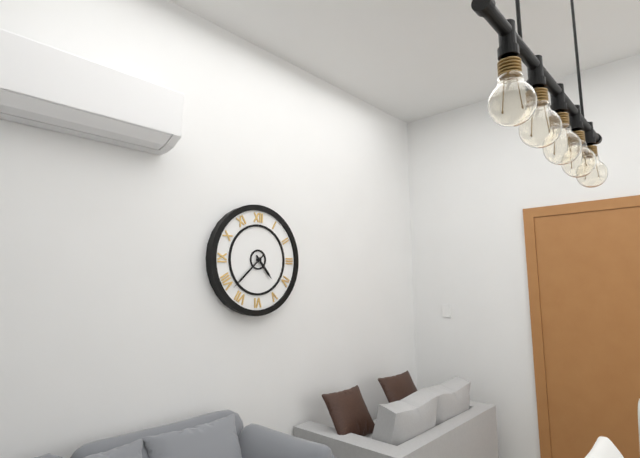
4:38
